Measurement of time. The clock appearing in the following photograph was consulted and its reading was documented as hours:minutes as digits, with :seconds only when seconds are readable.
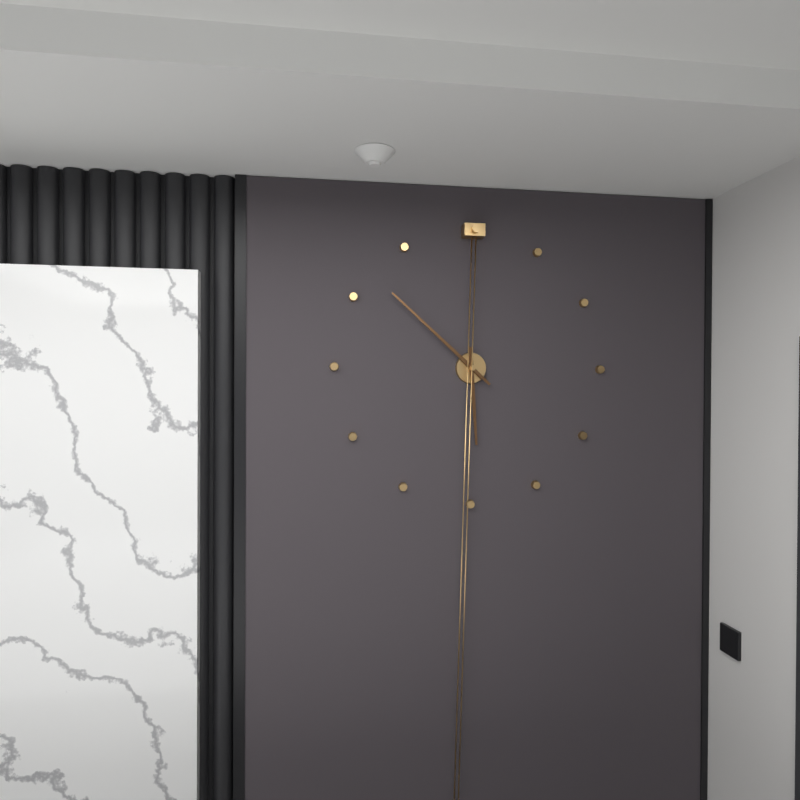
5:52
